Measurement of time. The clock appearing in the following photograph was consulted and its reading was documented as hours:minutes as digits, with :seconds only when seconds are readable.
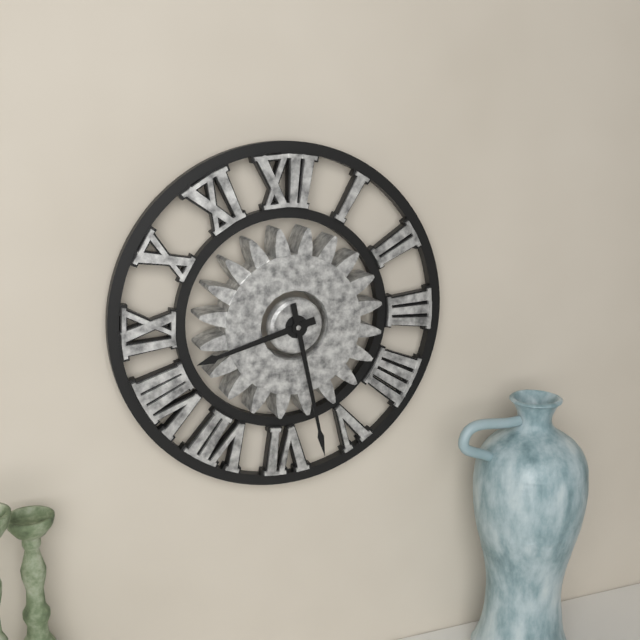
8:28
